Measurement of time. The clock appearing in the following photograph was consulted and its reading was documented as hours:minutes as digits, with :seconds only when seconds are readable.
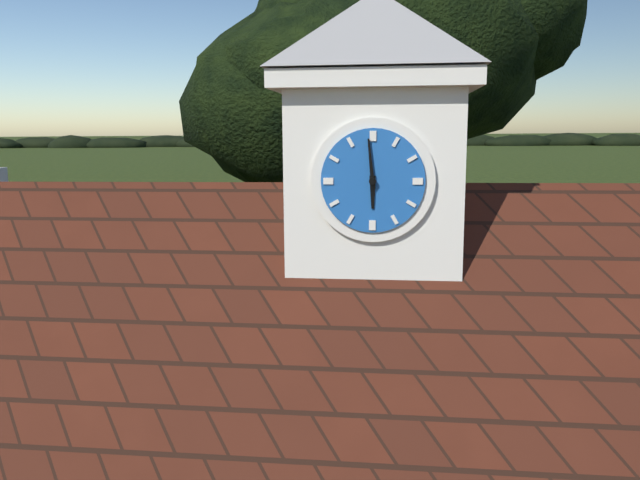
5:59
